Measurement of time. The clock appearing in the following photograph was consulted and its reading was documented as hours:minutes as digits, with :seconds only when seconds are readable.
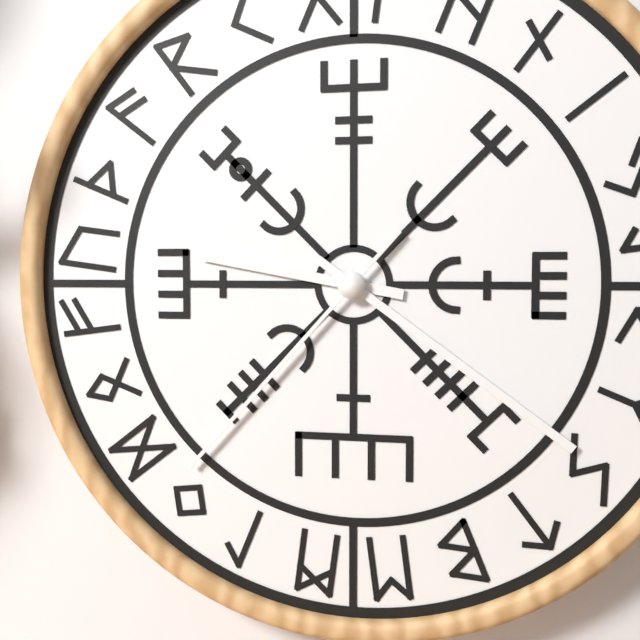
9:21:37
